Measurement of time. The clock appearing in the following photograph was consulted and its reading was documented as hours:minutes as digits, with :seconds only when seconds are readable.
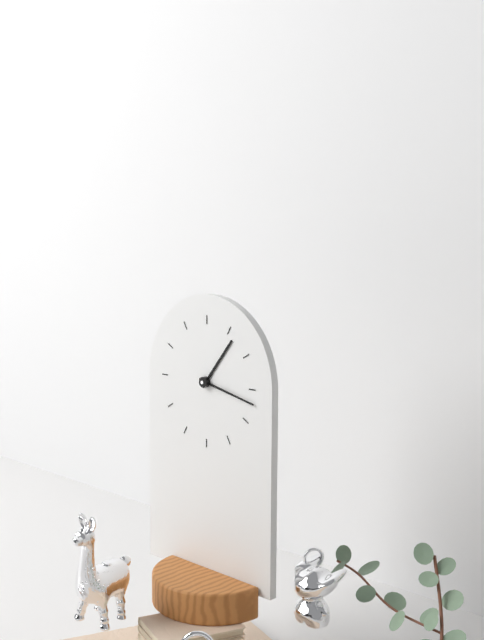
1:17
